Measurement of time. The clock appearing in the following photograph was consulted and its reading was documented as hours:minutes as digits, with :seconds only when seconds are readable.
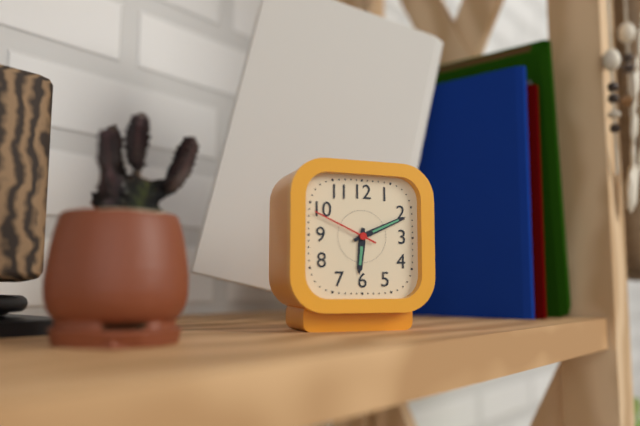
6:11:49
